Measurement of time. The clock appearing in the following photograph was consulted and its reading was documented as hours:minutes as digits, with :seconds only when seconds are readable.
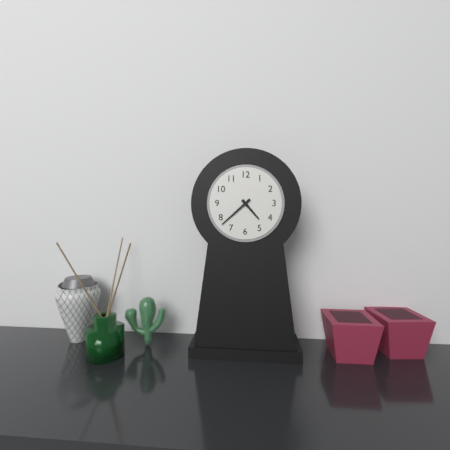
4:38
